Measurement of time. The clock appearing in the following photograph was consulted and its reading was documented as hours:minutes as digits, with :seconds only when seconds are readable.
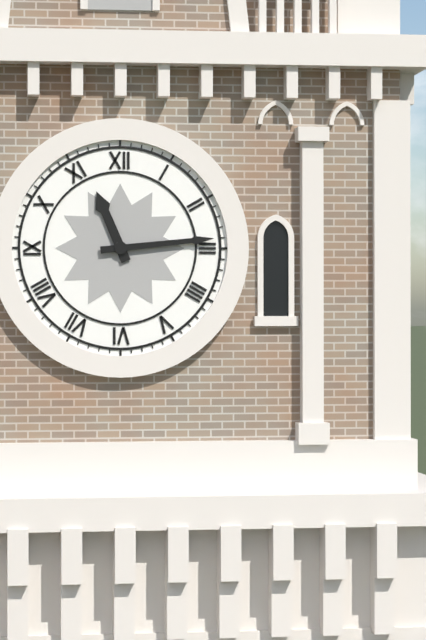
11:14
